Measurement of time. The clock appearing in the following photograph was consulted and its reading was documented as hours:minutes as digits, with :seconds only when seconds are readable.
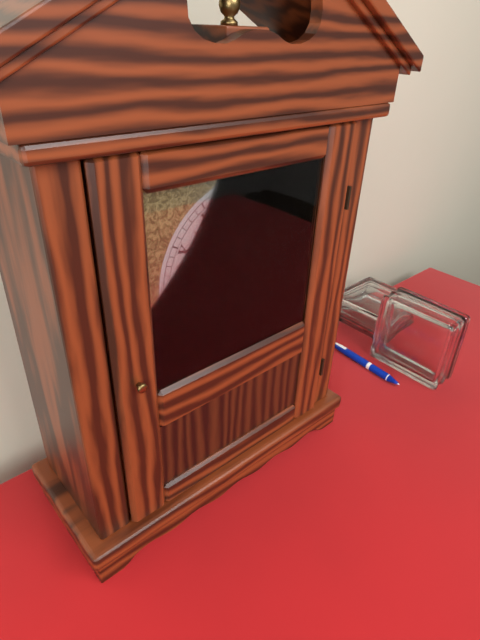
2:40
